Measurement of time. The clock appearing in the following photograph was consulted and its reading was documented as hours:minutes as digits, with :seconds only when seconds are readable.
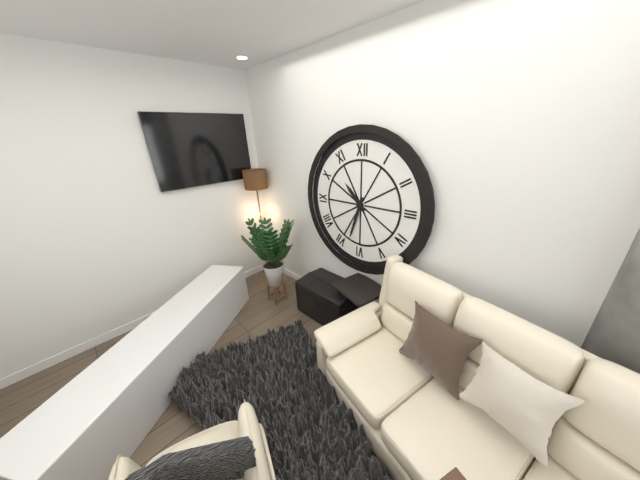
10:33
